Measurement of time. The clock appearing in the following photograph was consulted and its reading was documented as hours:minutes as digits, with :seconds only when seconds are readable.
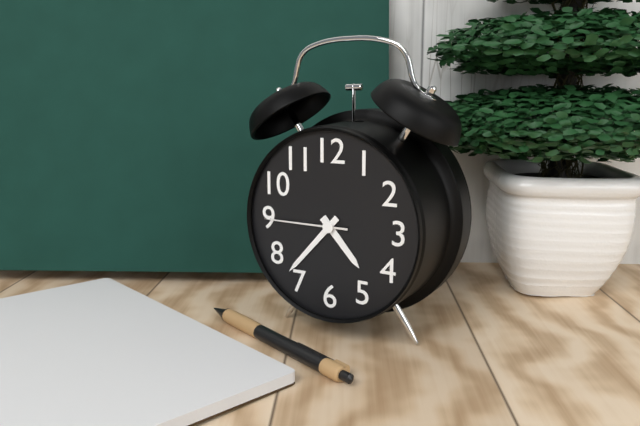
4:37:45
